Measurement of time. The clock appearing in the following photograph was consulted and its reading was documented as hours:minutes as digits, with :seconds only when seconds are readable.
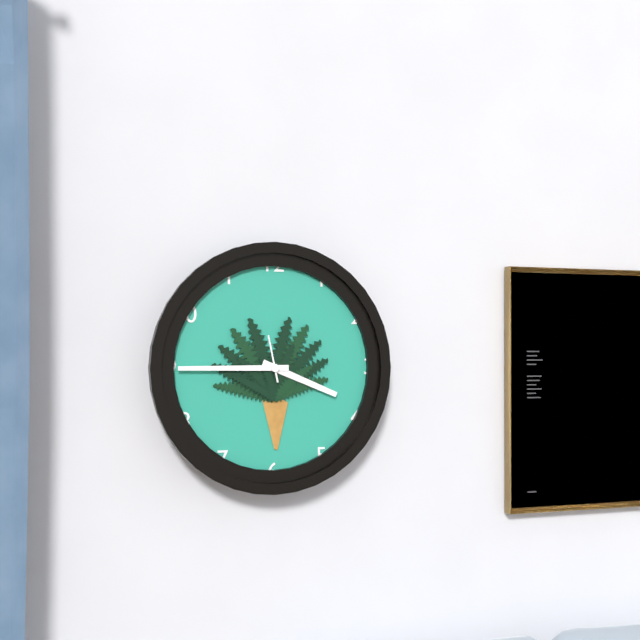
3:45
